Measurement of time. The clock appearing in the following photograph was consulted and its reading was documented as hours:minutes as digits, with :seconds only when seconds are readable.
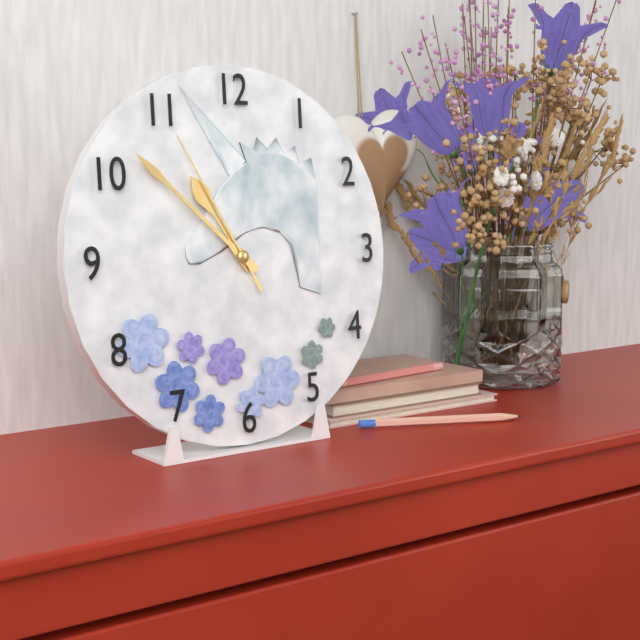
10:52:55
